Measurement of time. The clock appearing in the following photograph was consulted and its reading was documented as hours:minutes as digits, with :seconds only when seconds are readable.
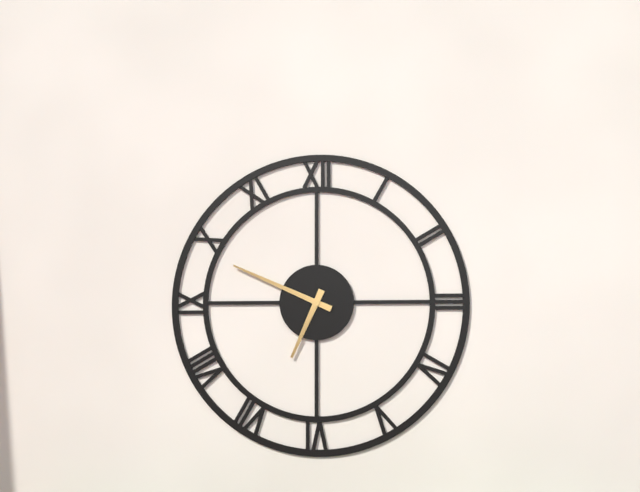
6:49
